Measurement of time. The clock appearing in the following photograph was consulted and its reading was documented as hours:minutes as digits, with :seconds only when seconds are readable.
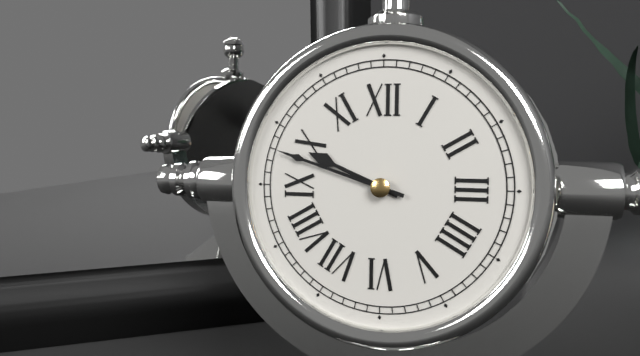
9:48
